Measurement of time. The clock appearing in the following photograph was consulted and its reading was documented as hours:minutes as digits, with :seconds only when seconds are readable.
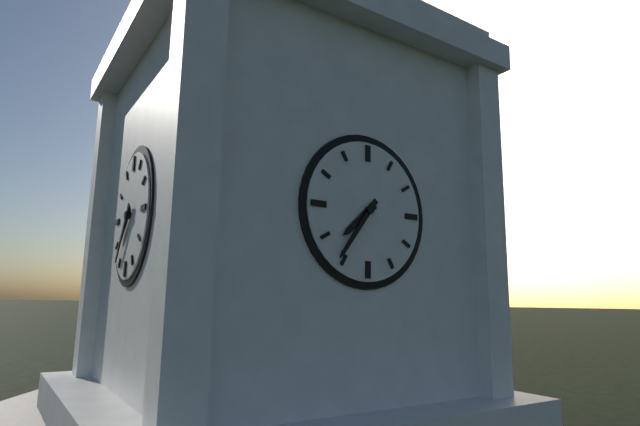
7:36
